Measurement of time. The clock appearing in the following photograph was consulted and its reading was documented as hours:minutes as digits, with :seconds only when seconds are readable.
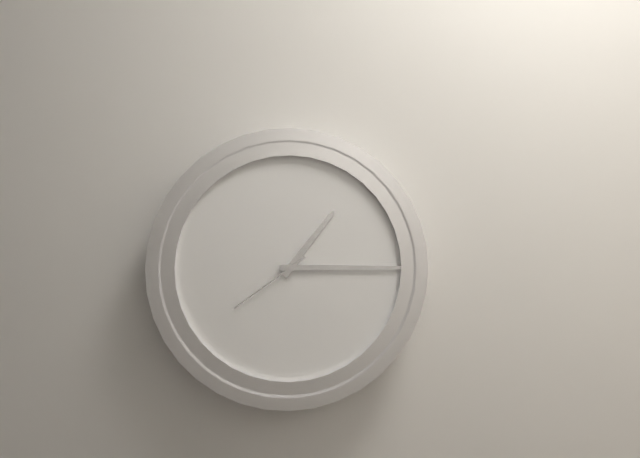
1:15:39
